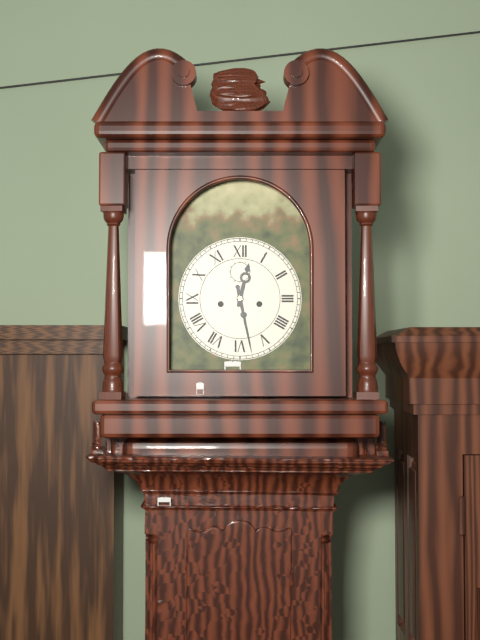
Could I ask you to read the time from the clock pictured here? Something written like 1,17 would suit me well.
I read 12,28
